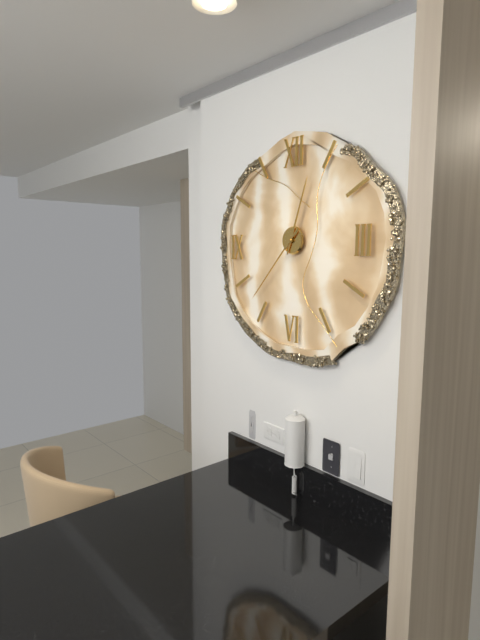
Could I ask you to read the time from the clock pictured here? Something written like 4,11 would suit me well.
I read 12,37
